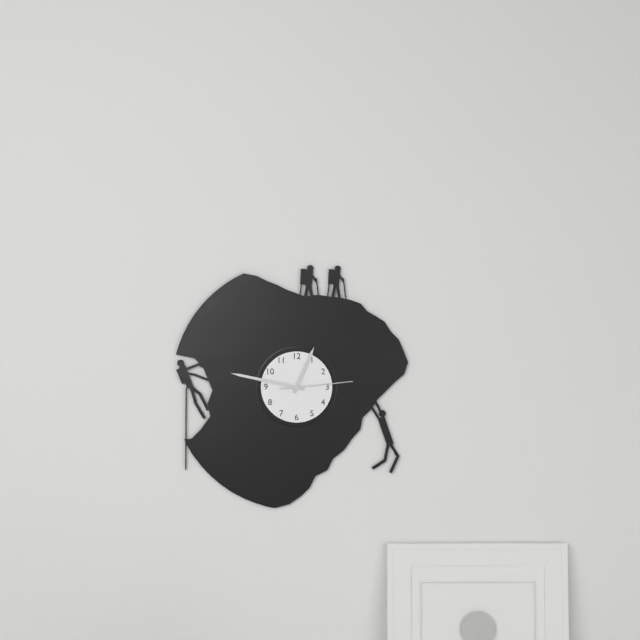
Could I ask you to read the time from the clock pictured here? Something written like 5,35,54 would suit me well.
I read 12,47,14
